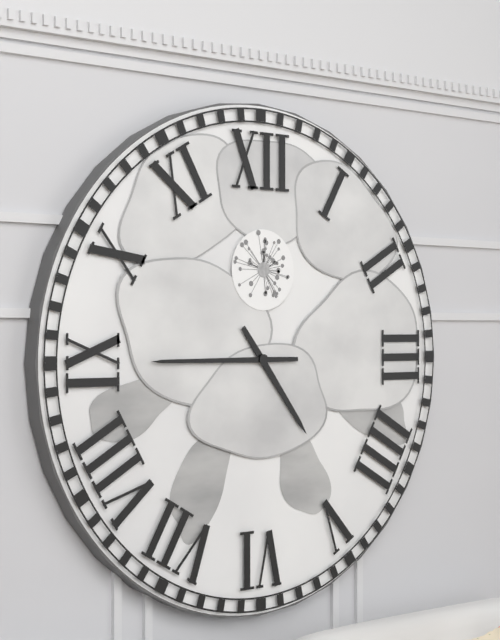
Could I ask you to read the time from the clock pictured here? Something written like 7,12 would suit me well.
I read 4,45
